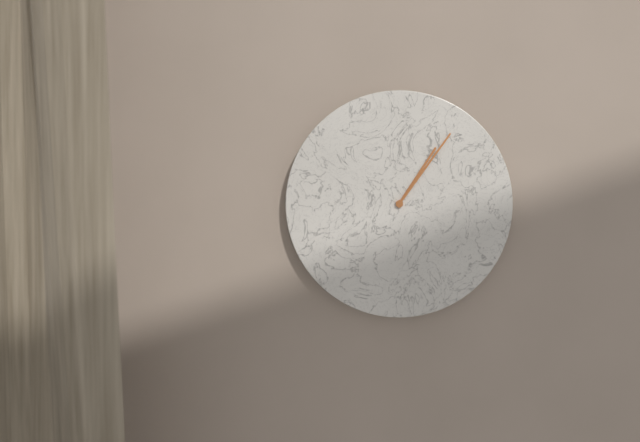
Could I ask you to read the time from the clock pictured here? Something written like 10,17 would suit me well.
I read 1,06
